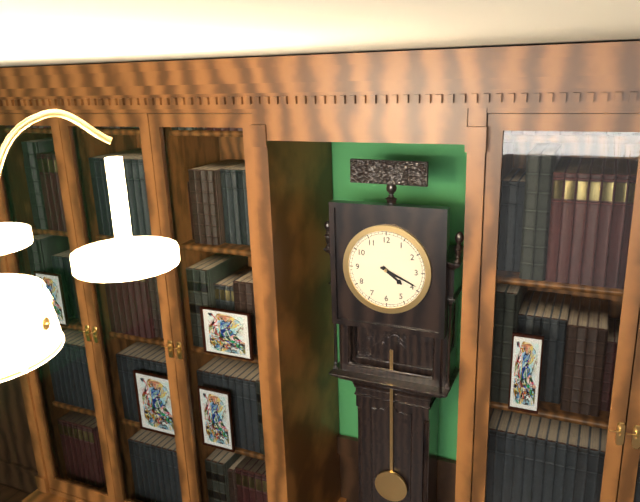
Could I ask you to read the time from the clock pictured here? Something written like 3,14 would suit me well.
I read 4,19
